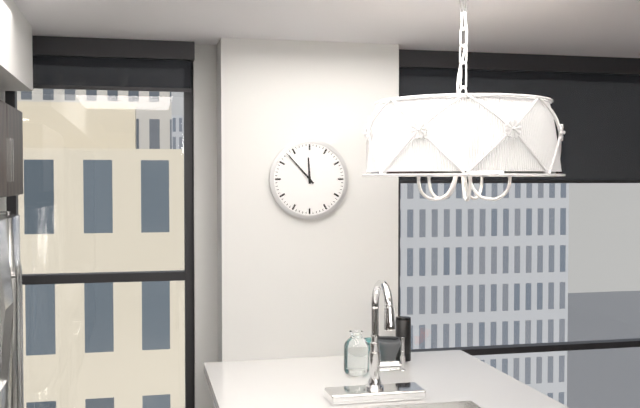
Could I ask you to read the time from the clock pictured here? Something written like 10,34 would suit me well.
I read 11,53
